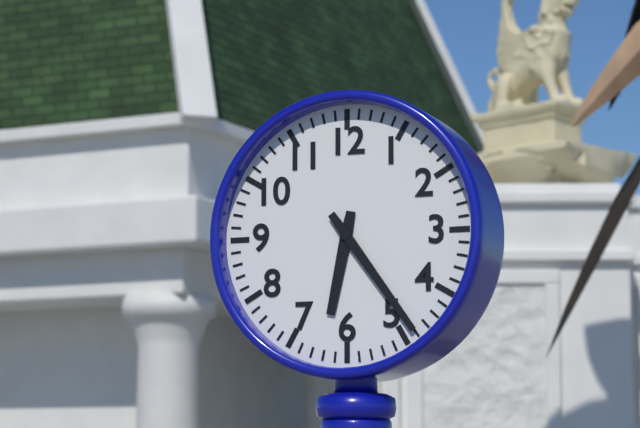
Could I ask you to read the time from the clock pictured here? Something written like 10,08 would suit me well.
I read 6,24
